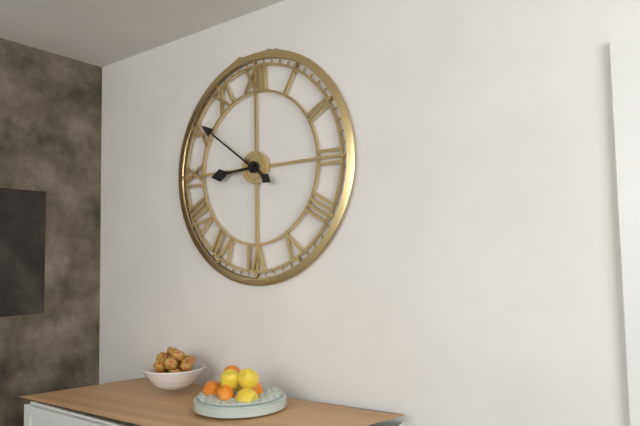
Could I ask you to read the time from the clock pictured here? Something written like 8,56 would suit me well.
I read 8,51
